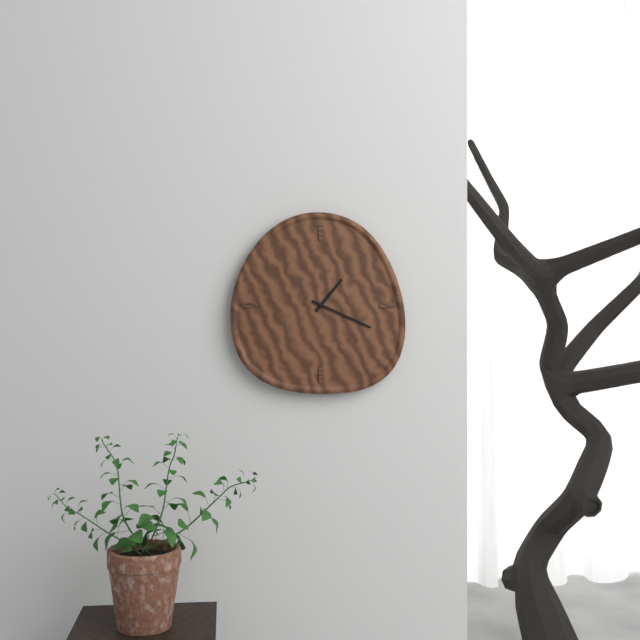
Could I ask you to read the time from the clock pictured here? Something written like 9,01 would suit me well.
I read 1,19
